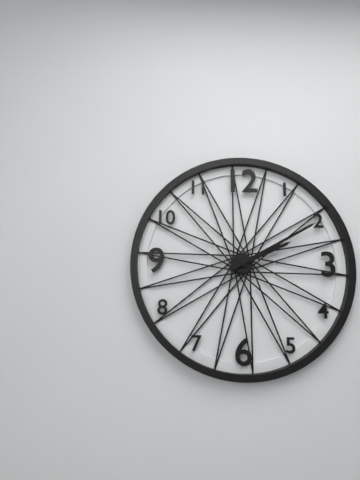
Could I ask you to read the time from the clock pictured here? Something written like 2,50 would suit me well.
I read 2,10
